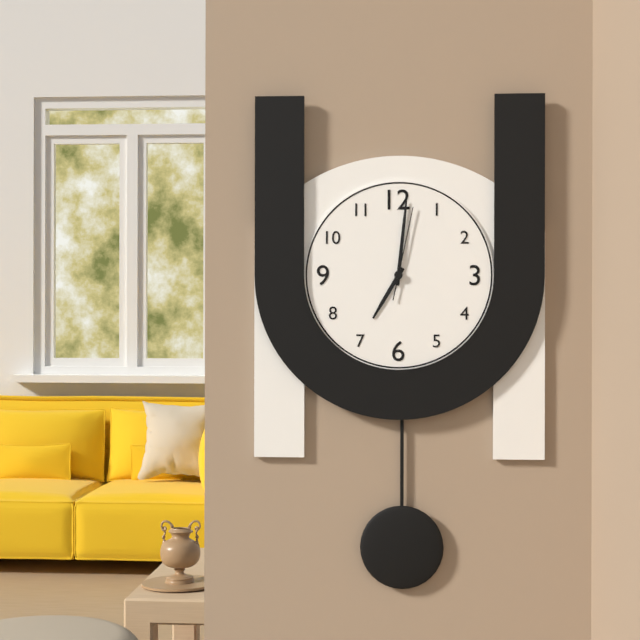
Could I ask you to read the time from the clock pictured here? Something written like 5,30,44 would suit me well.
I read 7,01,02
